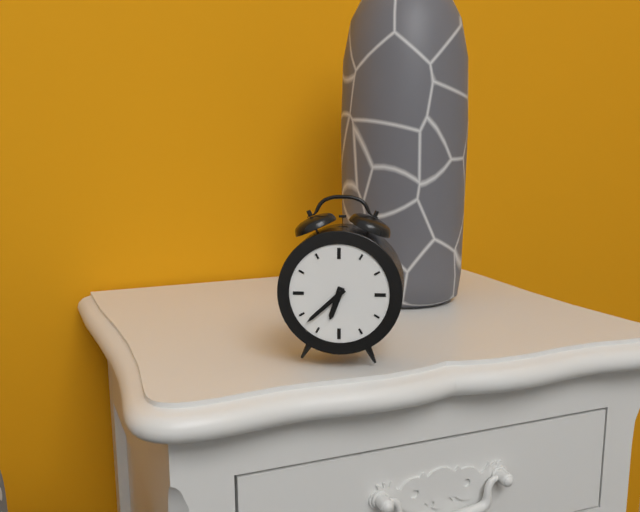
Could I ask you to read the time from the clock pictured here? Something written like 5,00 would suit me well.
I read 6,38
